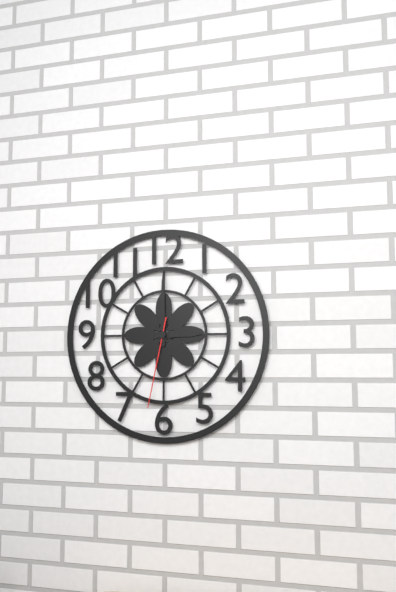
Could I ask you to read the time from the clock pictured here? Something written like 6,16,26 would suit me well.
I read 3,00,32
